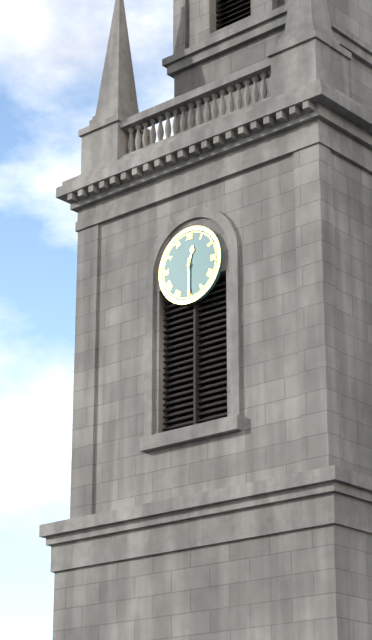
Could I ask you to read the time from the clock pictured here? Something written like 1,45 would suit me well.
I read 12,30
